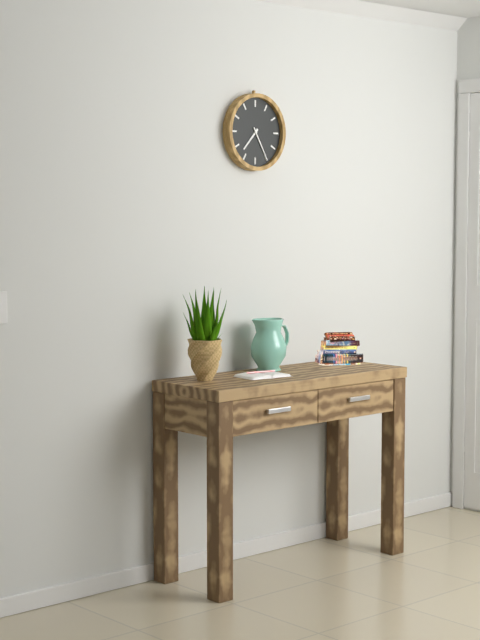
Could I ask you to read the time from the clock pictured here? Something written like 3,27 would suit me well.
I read 7,25
